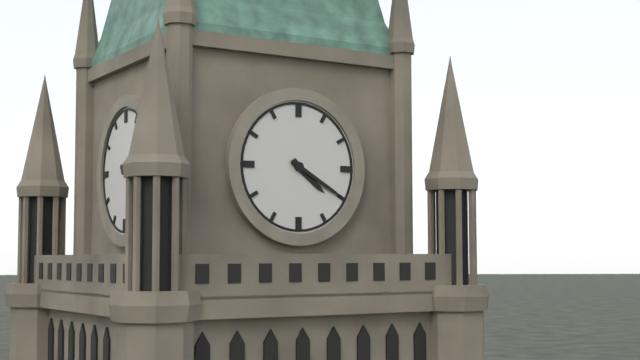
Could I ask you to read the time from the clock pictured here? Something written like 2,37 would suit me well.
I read 4,20
